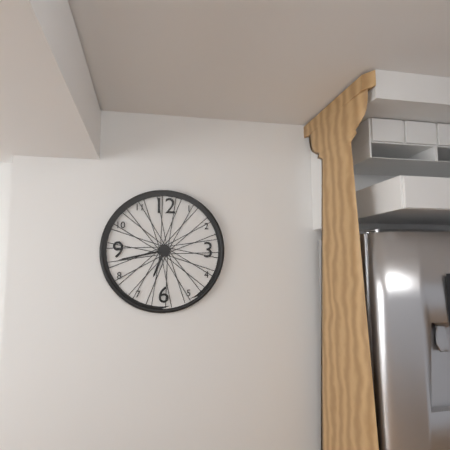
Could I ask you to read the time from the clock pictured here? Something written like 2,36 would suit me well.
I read 6,43
